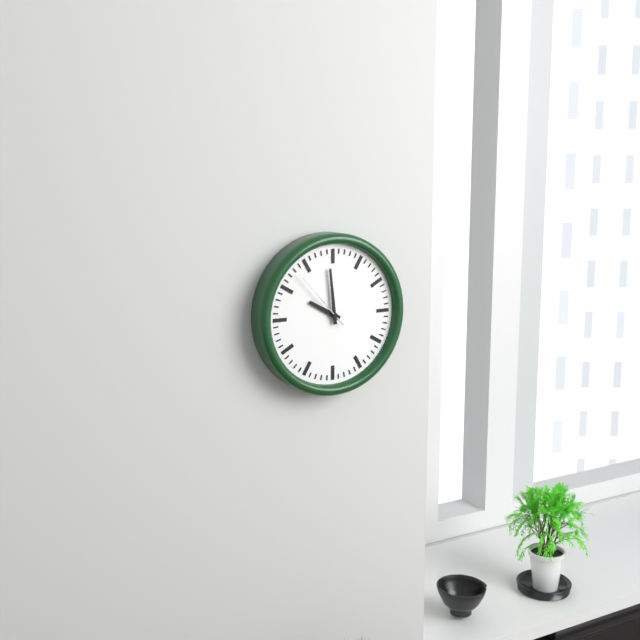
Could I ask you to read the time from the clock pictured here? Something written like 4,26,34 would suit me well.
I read 9,59,53
